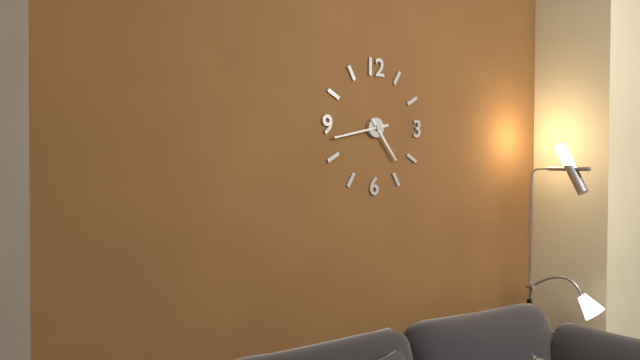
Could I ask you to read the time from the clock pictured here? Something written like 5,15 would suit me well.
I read 4,43
